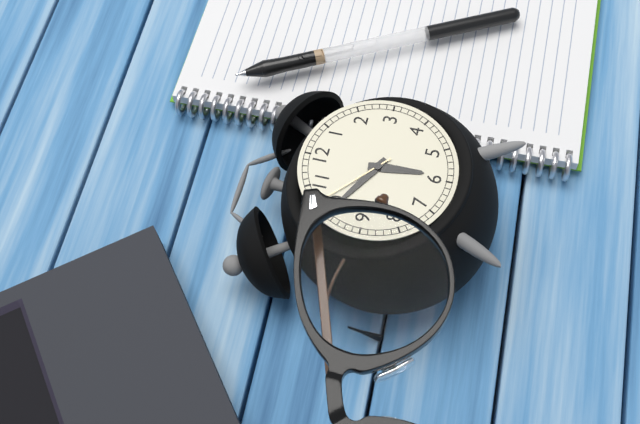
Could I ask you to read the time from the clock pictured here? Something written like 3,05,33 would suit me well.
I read 5,50,52
